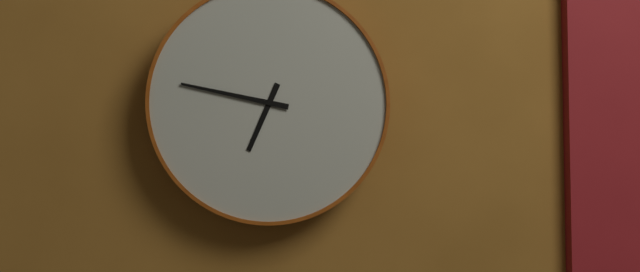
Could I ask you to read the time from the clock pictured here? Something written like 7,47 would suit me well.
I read 6,47
